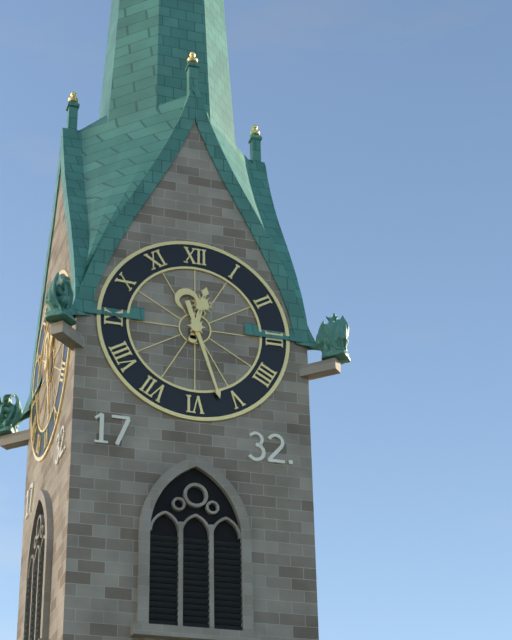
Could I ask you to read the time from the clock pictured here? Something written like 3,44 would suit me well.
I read 12,27
